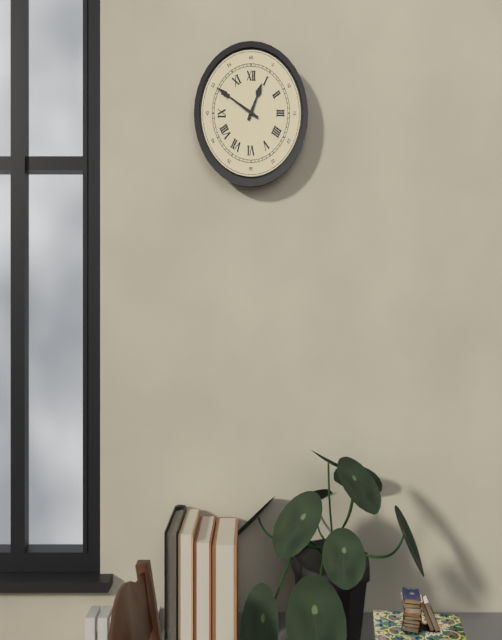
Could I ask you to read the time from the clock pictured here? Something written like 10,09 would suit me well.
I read 12,50
